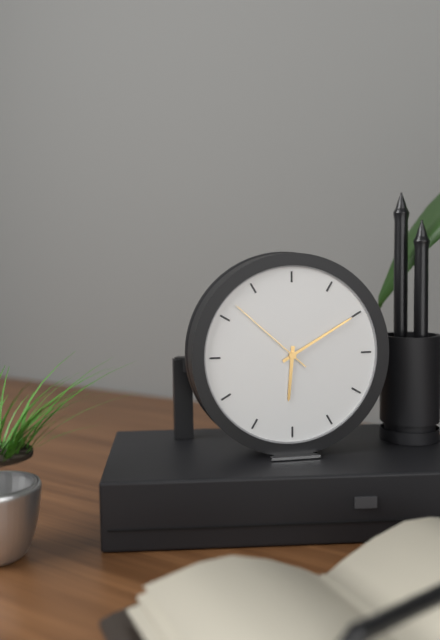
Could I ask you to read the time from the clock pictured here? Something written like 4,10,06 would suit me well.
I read 6,10,52
